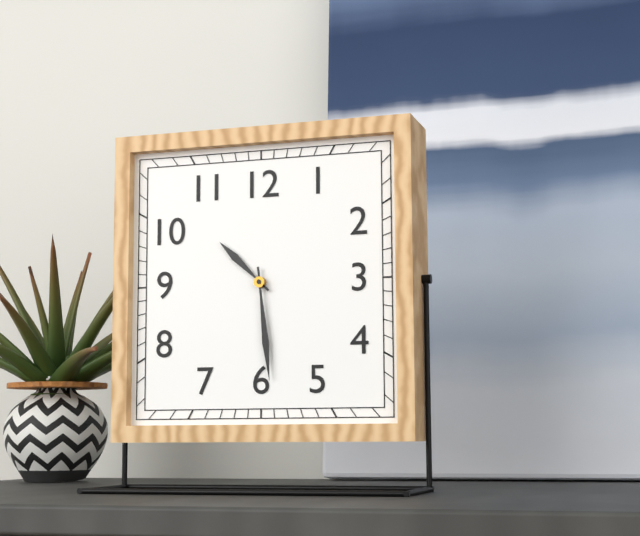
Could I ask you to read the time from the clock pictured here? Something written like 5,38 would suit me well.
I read 10,29
